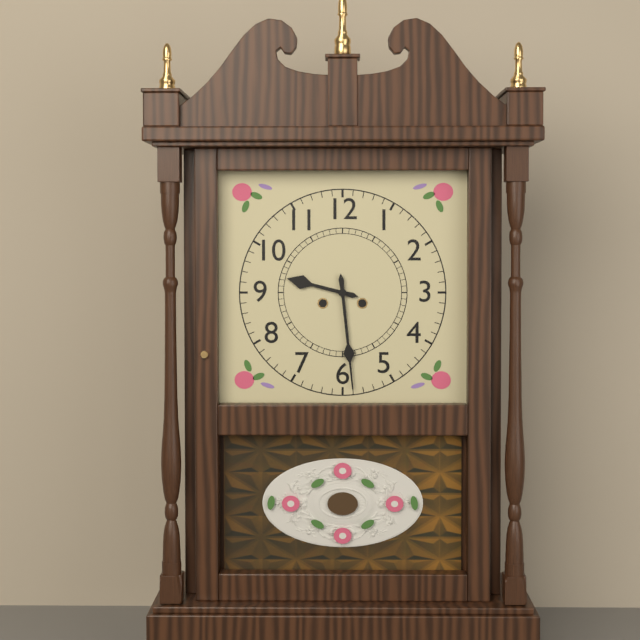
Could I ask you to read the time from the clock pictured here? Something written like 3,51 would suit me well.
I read 9,29
